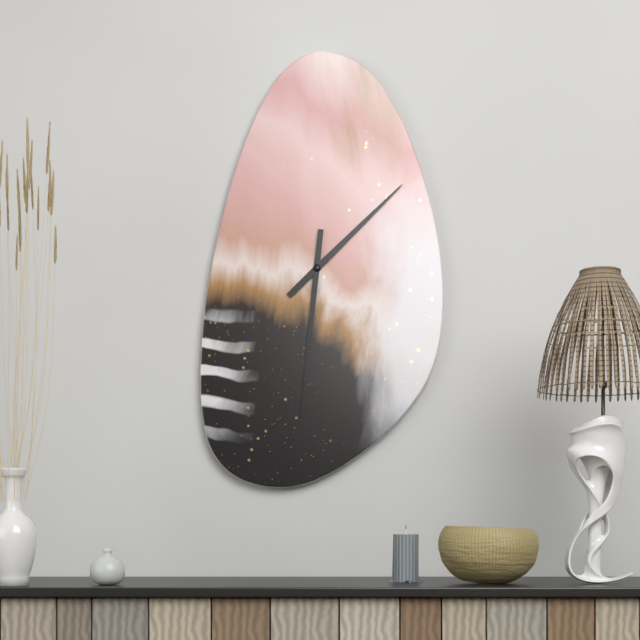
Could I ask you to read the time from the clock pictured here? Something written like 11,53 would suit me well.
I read 1,31
